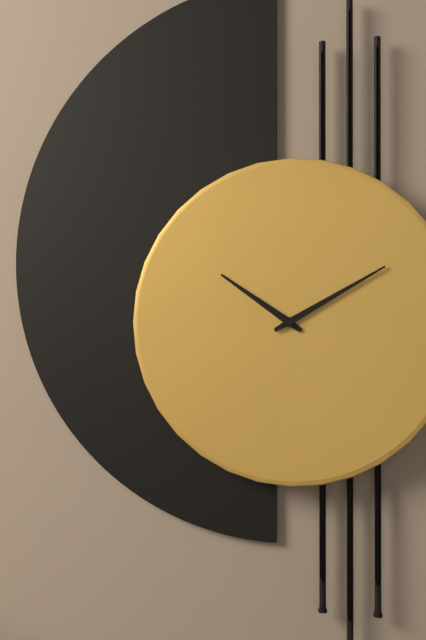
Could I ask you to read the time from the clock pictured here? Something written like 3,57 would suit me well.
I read 10,10
